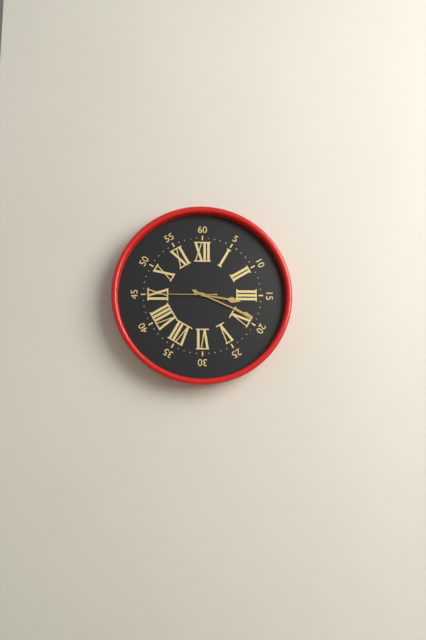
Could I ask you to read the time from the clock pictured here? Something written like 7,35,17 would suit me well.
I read 3,19,45
